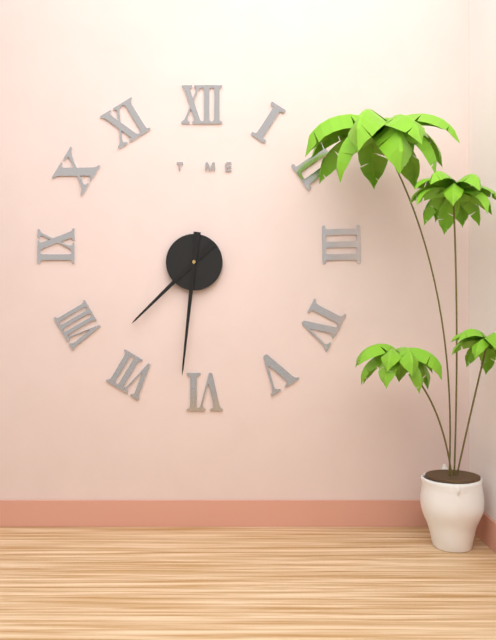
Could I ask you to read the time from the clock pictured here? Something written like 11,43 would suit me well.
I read 7,31
